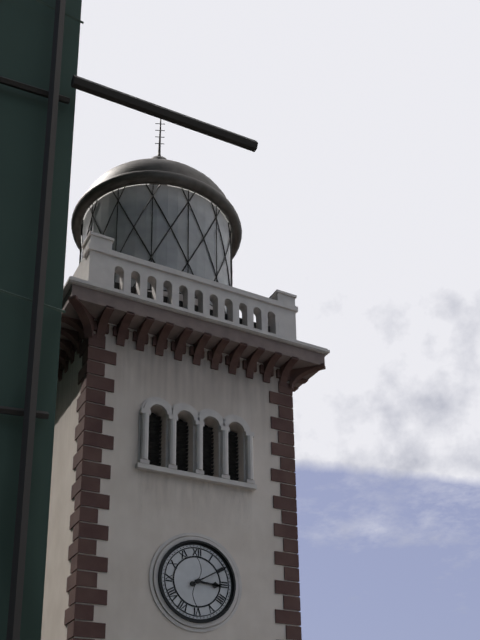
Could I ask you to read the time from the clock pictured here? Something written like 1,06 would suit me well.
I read 3,10
